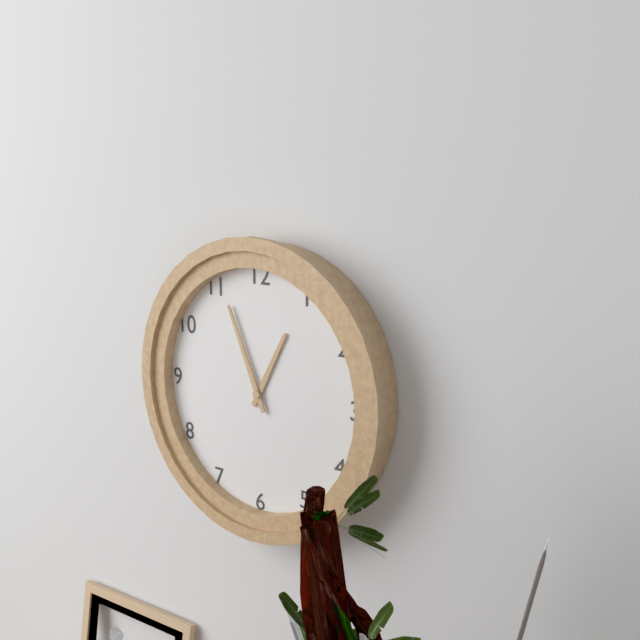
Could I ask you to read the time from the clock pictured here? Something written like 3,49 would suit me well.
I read 12,56
